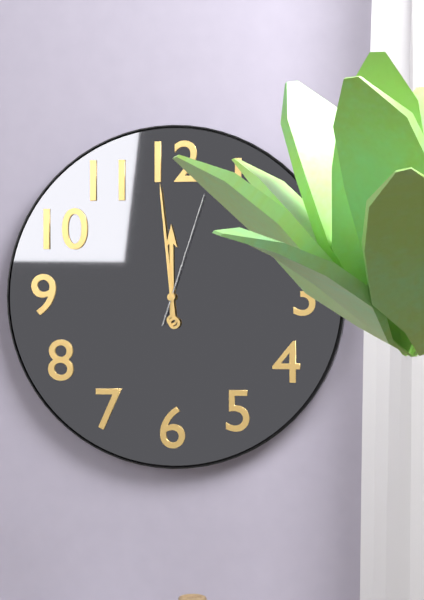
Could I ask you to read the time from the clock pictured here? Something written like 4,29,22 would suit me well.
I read 11,59,03
